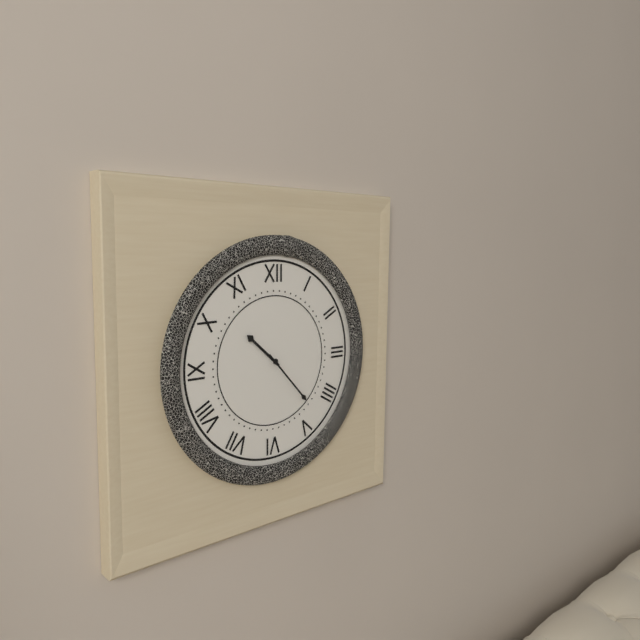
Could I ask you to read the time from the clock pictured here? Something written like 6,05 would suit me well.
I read 10,23
